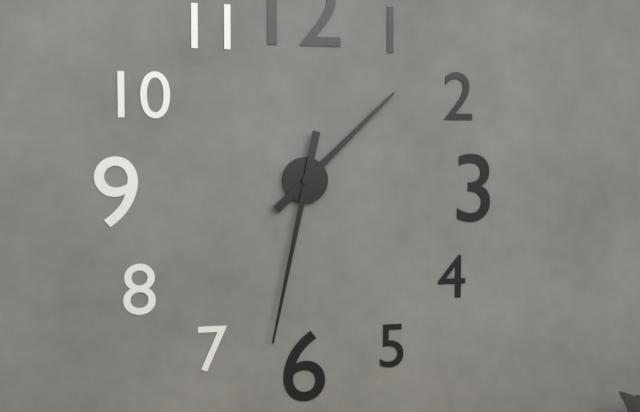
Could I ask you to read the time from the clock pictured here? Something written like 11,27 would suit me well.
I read 1,32
